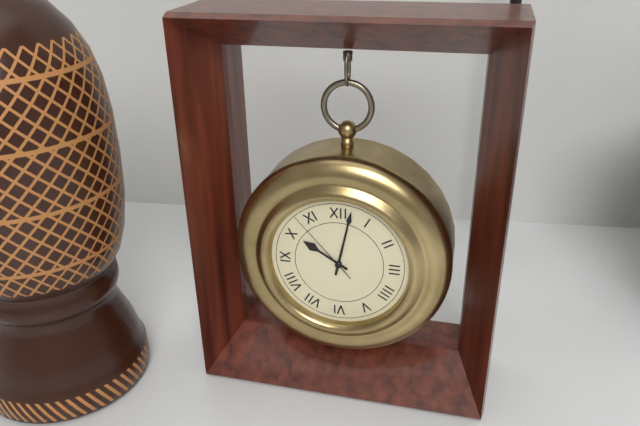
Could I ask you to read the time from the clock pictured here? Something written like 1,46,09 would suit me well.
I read 10,02,53
